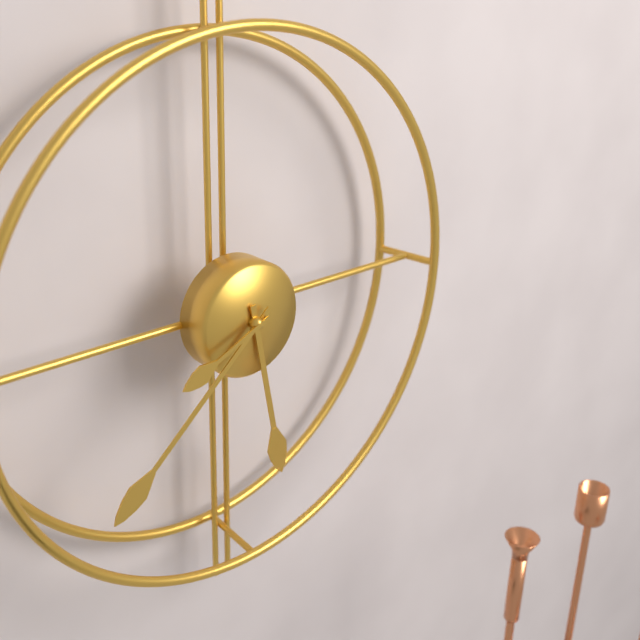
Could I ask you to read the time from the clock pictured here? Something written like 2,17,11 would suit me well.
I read 5,38,41
